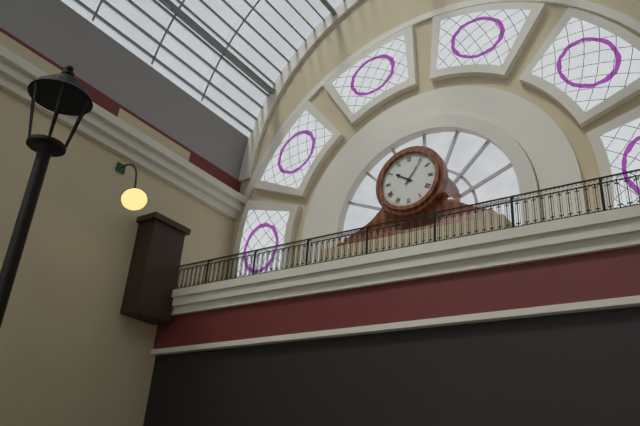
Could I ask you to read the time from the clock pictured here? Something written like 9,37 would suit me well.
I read 10,06
